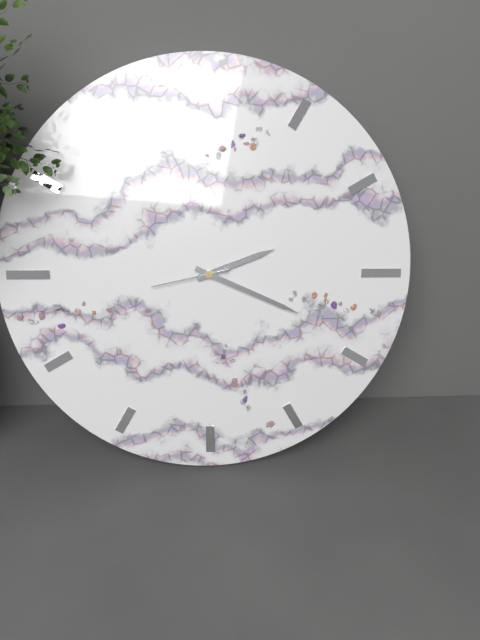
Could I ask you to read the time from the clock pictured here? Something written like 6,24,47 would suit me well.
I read 2,19,43
